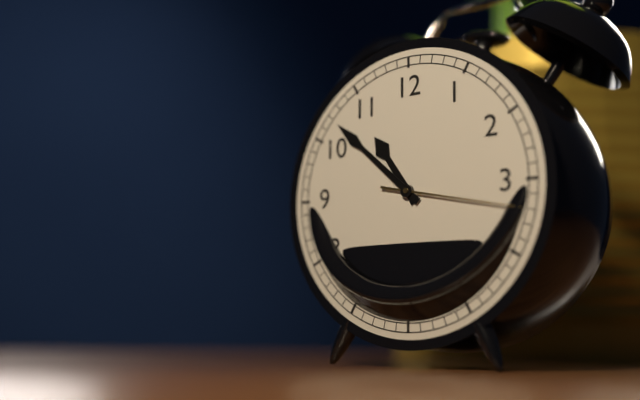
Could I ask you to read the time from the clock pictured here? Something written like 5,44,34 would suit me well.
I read 10,52,17
